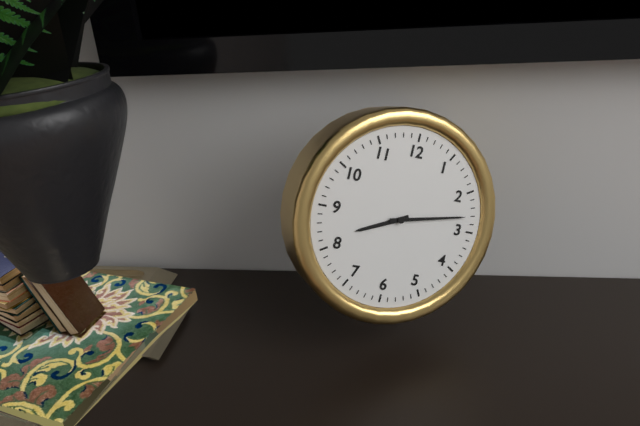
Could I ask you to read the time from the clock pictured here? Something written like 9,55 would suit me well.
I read 8,13
